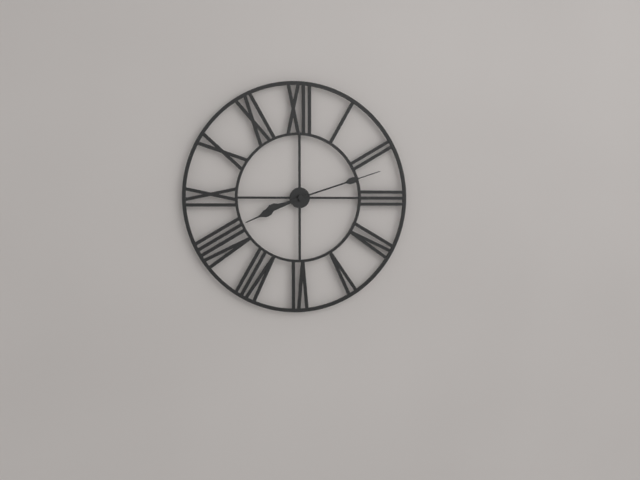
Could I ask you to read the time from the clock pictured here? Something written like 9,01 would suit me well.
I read 8,12
